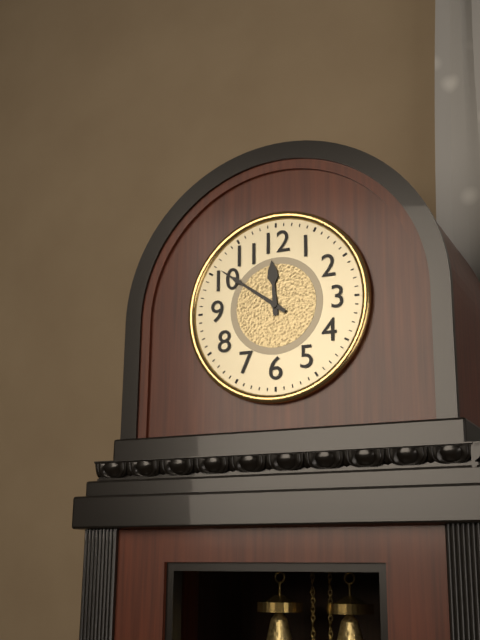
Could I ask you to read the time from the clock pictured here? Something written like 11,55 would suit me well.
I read 11,51
